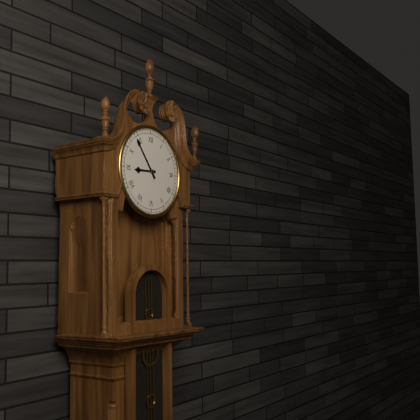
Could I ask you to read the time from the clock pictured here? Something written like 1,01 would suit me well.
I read 8,54
